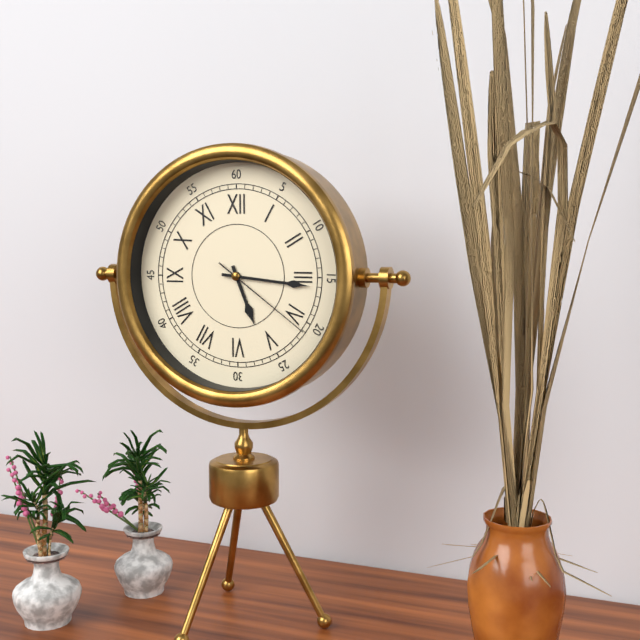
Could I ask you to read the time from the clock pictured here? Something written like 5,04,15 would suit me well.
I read 5,16,21
